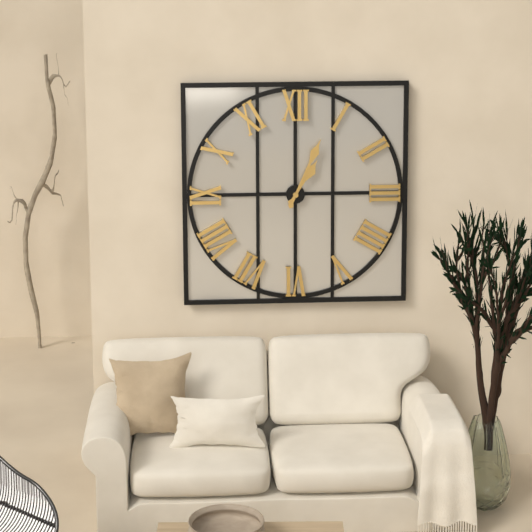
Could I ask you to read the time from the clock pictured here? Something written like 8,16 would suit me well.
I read 1,04
